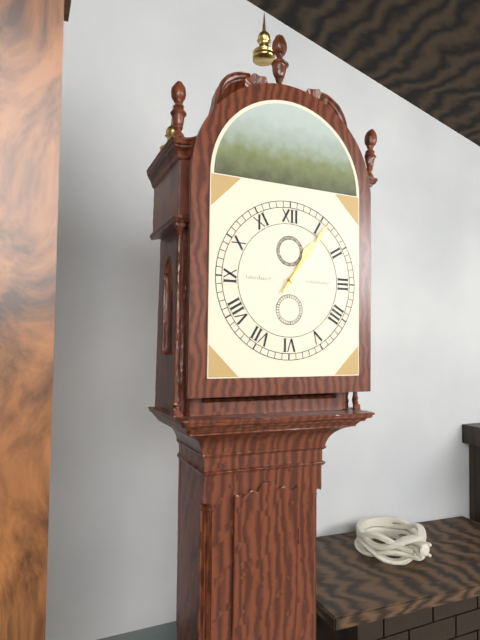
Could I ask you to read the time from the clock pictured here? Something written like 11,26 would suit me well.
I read 1,06
